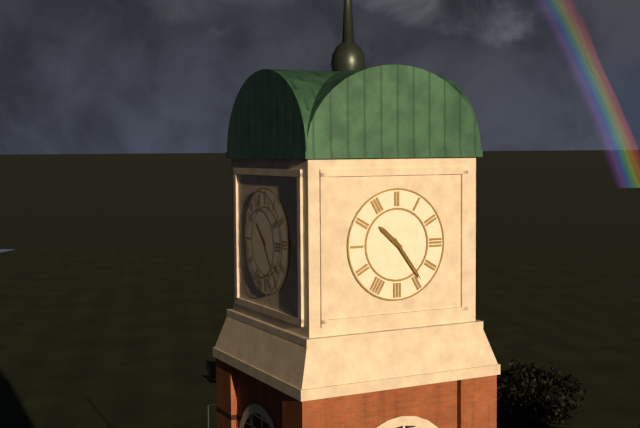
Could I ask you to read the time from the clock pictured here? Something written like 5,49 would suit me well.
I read 10,24
